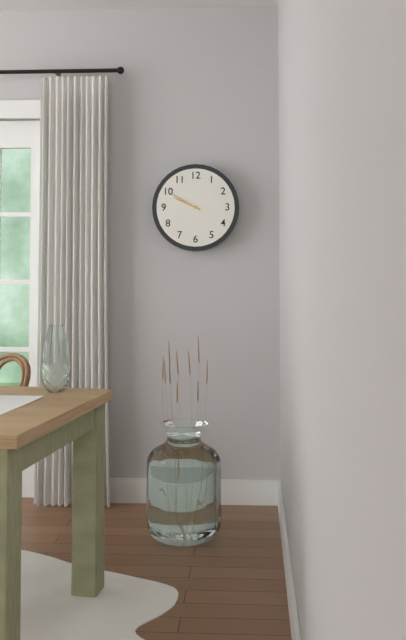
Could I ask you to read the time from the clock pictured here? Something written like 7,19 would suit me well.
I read 9,50
